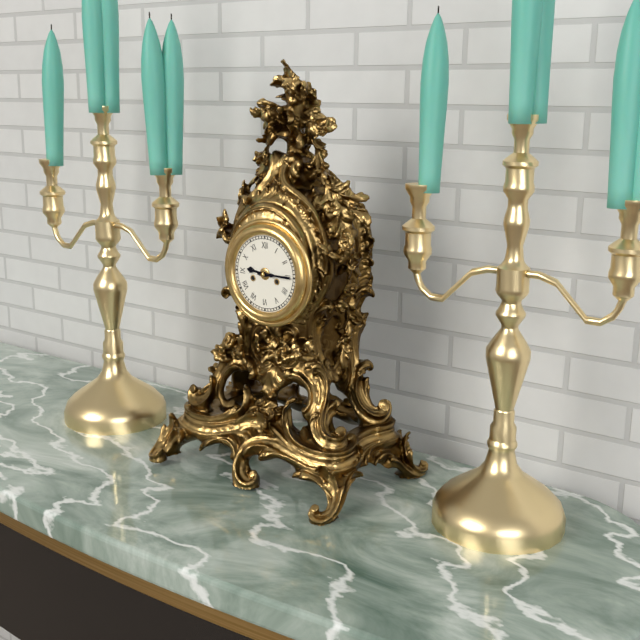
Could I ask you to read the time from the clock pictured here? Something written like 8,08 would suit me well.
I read 9,15
